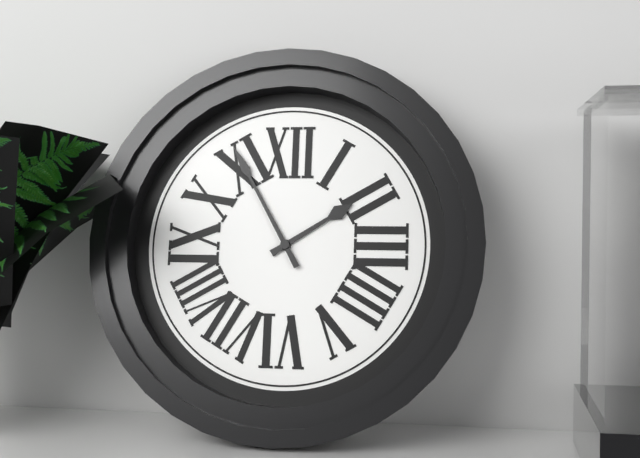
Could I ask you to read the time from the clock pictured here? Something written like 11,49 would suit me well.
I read 1,55
